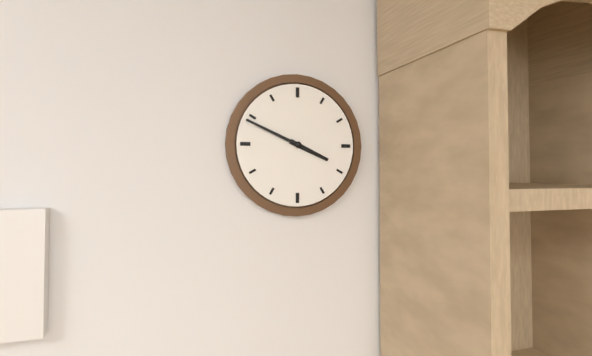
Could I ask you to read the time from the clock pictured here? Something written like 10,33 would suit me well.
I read 3,49
